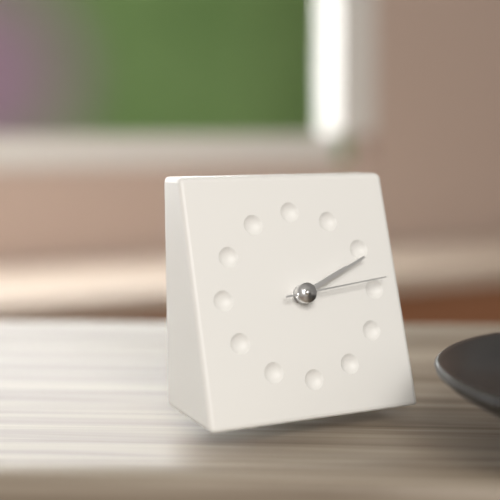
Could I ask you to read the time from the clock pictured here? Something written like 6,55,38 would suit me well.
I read 2,11,14
